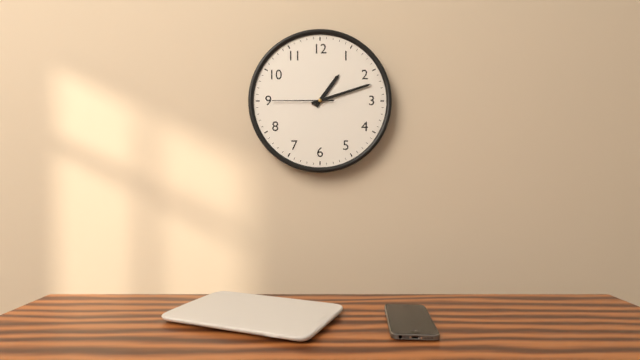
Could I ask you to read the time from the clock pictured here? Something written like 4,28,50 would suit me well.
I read 1,12,45
